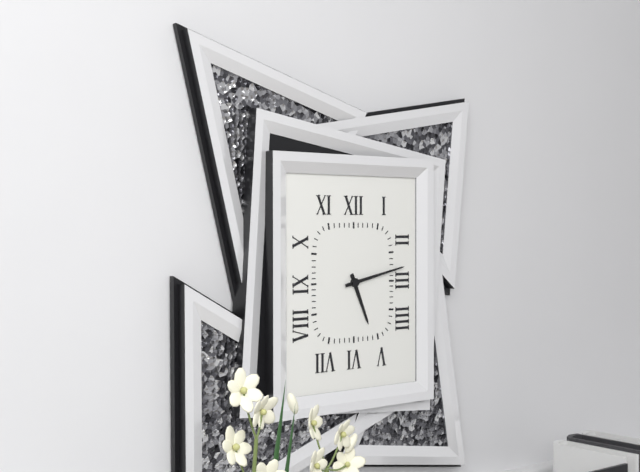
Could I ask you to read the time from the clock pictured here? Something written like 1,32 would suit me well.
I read 5,13
